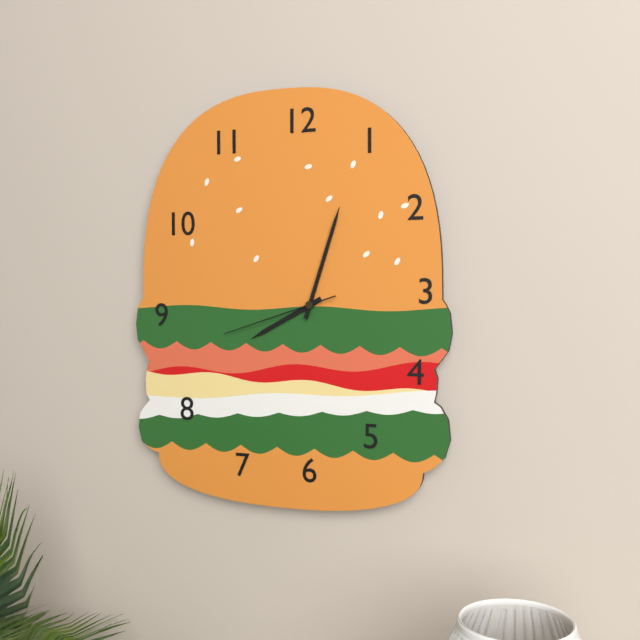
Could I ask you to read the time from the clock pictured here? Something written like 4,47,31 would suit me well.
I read 8,03,42
